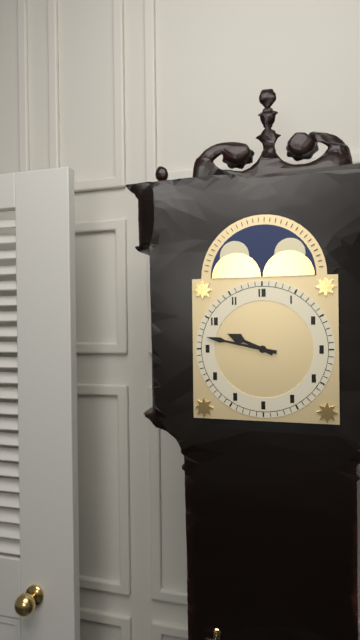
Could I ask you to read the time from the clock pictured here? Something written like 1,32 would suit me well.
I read 9,47
